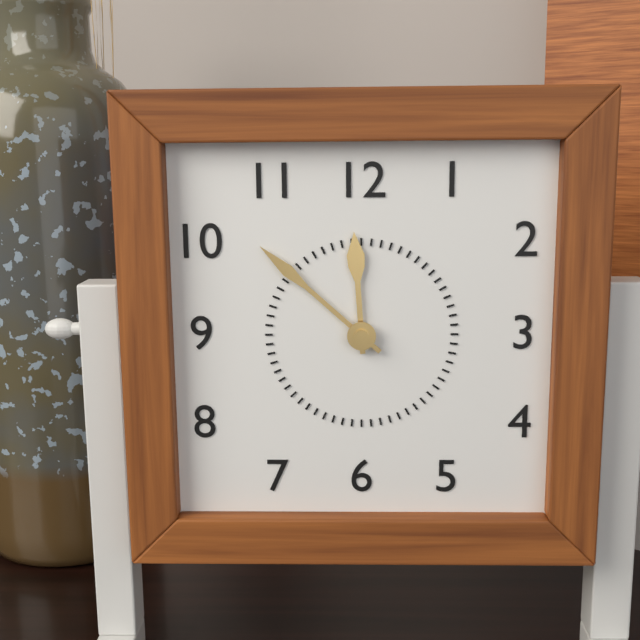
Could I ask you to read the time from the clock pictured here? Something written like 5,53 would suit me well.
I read 11,52
